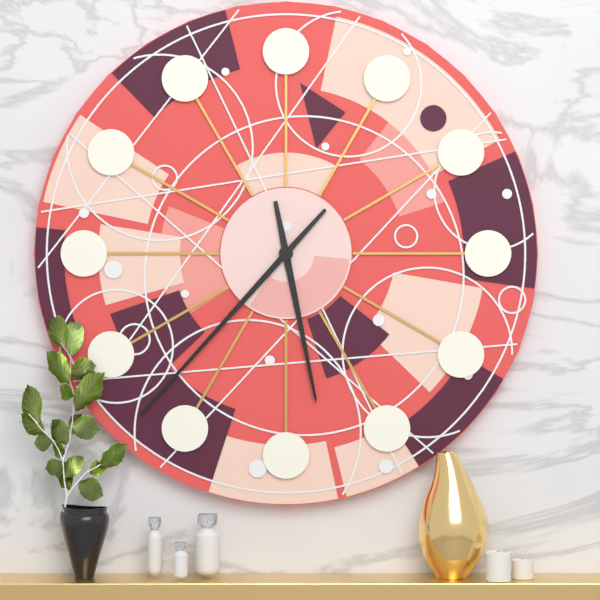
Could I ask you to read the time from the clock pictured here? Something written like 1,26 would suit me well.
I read 5,37
